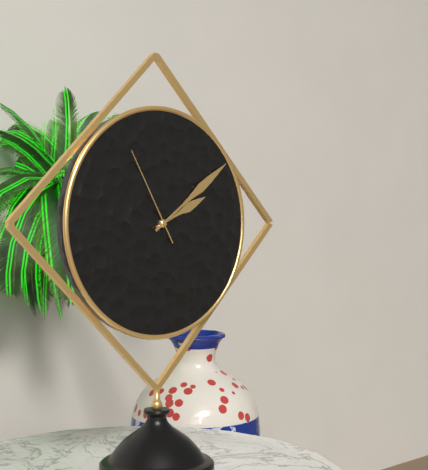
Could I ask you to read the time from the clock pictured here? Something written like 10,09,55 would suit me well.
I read 2,09,55
